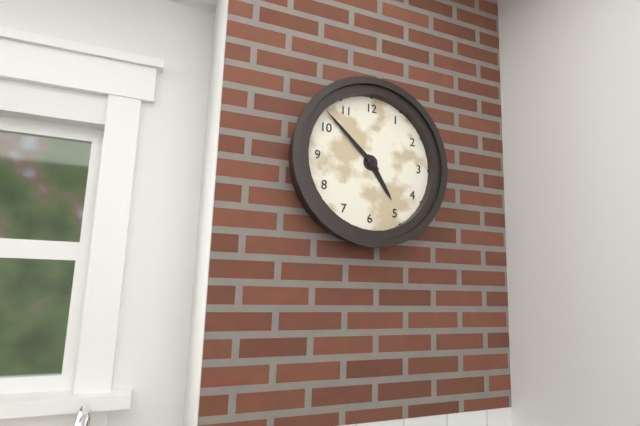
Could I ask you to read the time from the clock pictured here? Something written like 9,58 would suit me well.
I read 4,52
